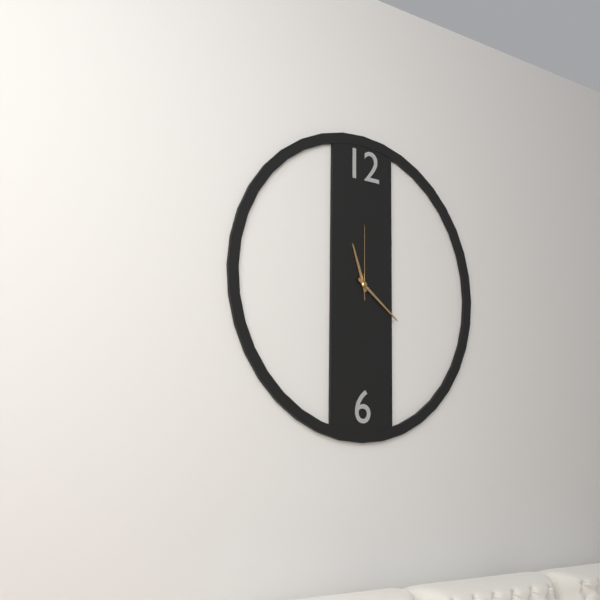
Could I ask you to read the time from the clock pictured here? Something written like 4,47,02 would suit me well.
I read 11,21,00
